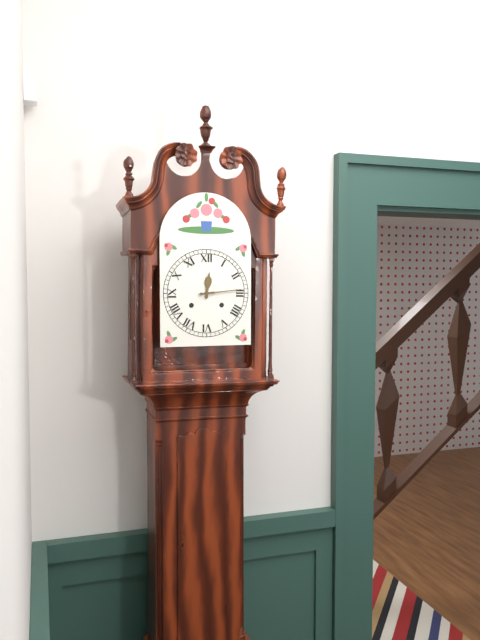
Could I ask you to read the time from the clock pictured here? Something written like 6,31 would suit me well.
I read 12,14
